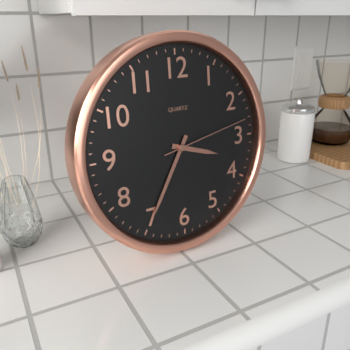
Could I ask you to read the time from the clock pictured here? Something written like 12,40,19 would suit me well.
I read 3,35,13
